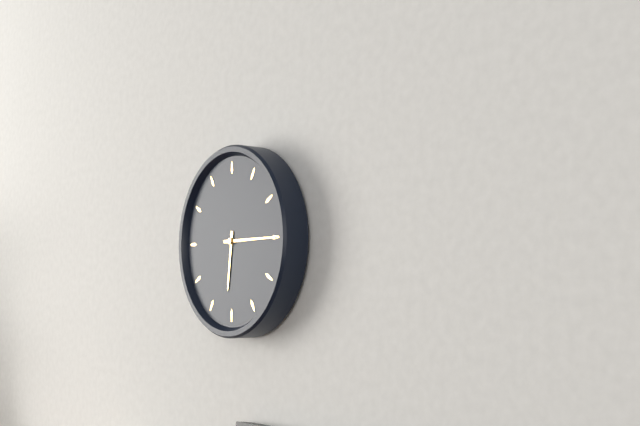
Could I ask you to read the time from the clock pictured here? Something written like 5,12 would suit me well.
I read 6,15
